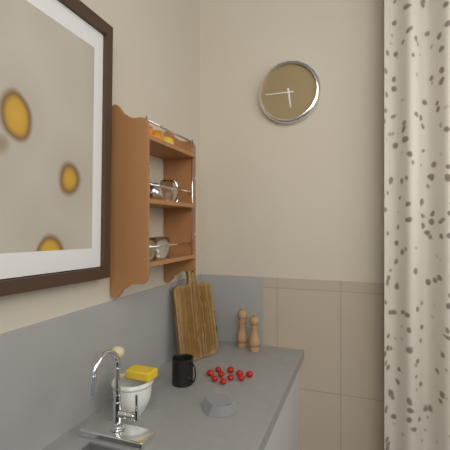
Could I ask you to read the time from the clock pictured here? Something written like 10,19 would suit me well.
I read 5,45
